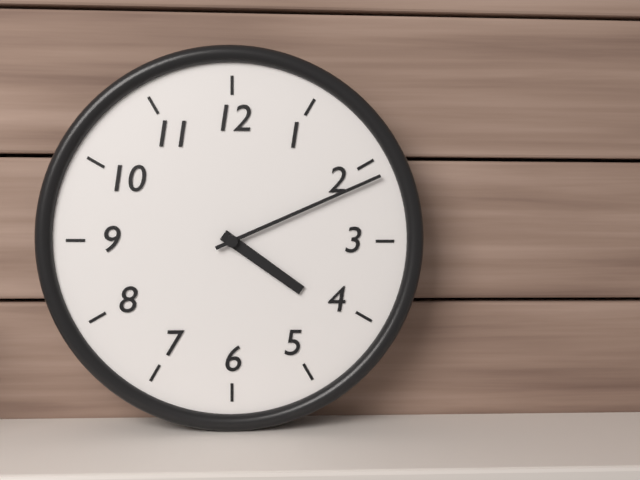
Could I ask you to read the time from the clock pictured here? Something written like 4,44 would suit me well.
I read 4,11
